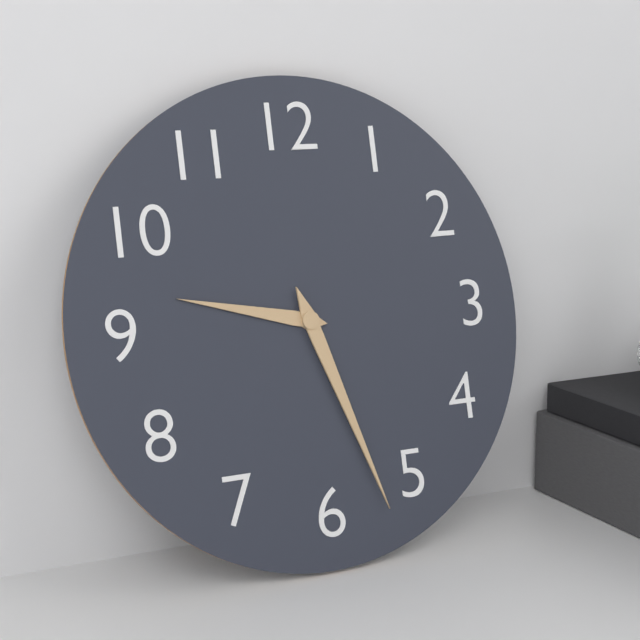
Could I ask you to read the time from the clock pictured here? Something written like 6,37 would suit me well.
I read 9,27
